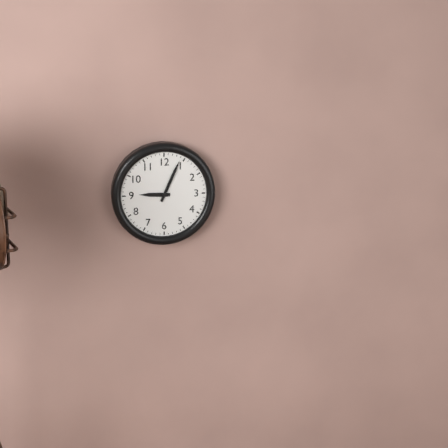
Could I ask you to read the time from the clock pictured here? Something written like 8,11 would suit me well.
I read 9,04
